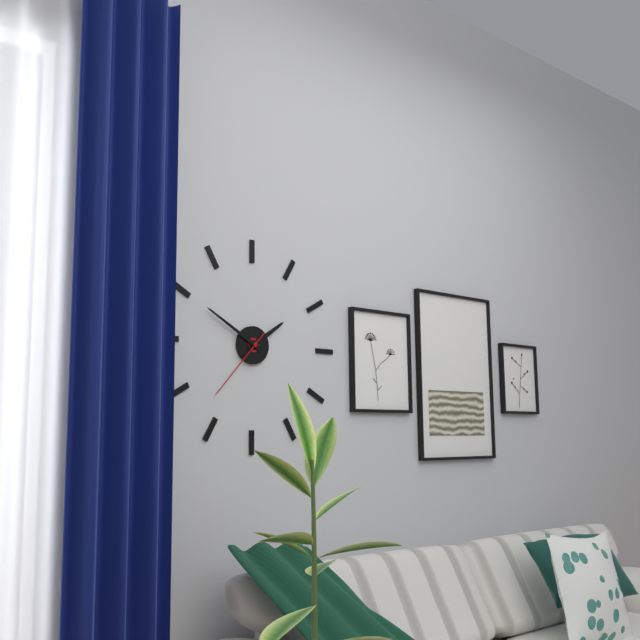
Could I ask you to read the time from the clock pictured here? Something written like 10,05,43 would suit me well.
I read 1,50,37
